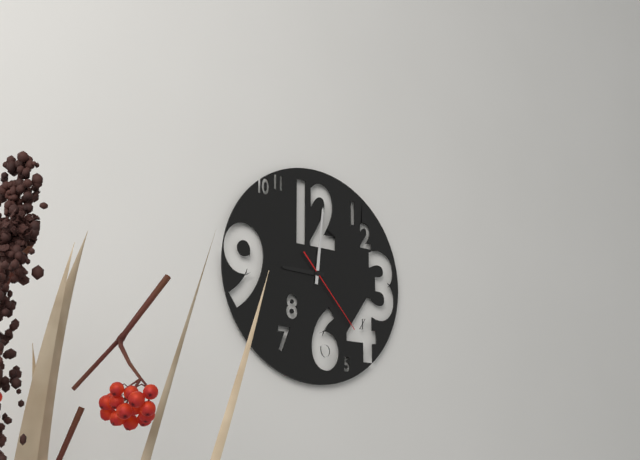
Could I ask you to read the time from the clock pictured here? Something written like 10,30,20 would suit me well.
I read 9,01,23
